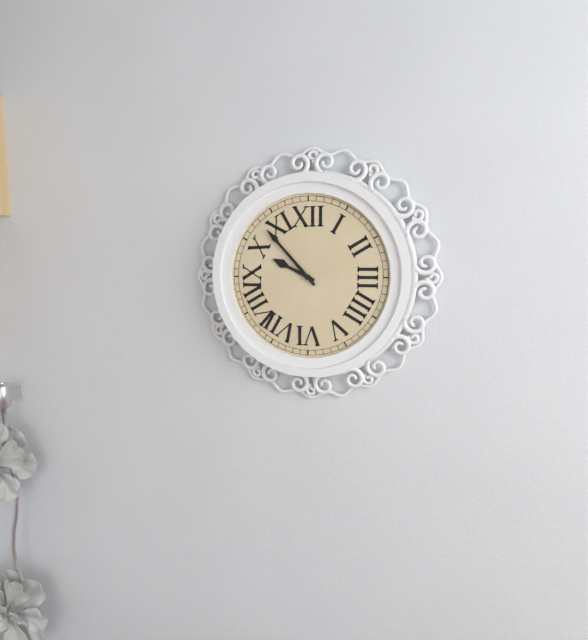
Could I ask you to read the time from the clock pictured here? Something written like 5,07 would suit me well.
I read 9,53
